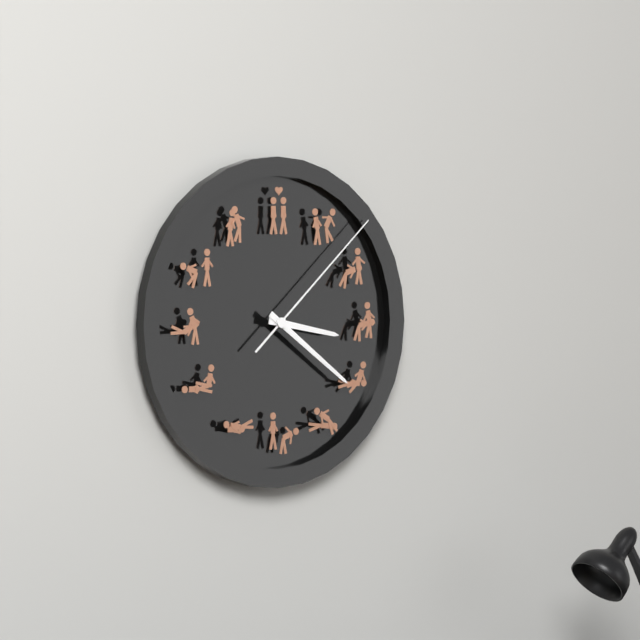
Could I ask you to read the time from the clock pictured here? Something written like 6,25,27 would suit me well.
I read 3,21,08
